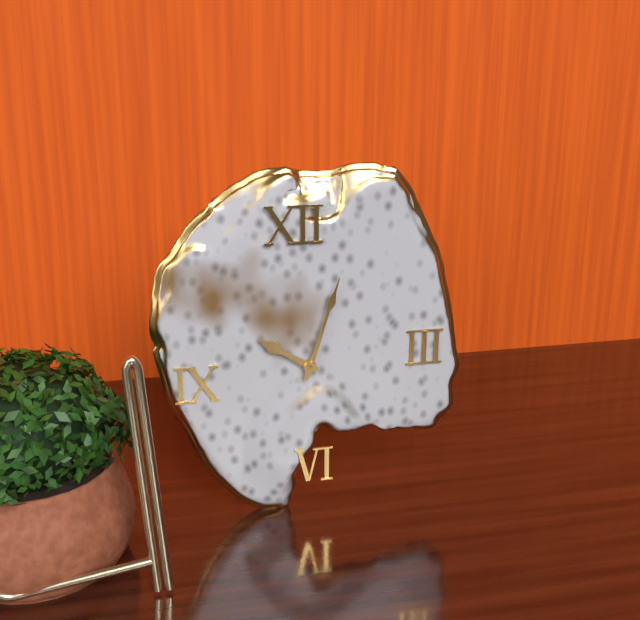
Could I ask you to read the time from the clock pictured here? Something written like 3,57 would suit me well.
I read 10,03
